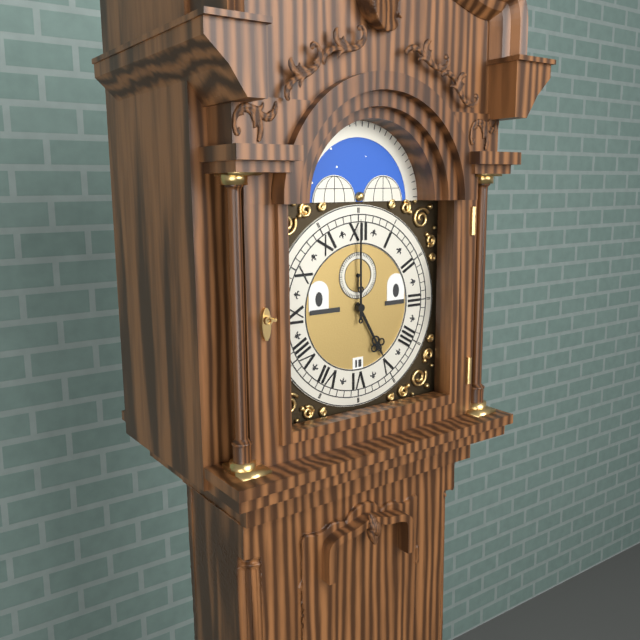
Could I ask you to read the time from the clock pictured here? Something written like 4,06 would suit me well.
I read 5,00
